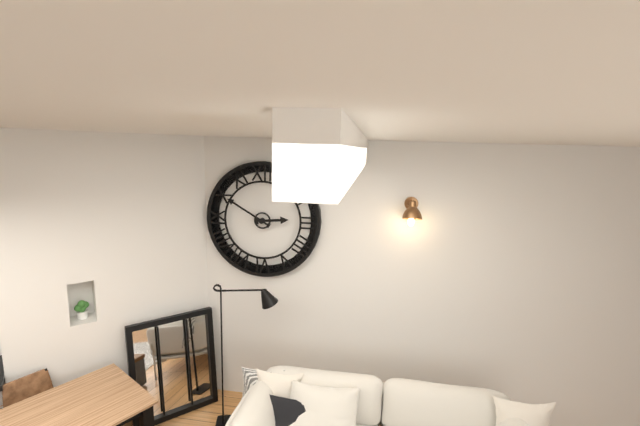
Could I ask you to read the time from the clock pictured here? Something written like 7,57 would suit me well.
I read 2,50
